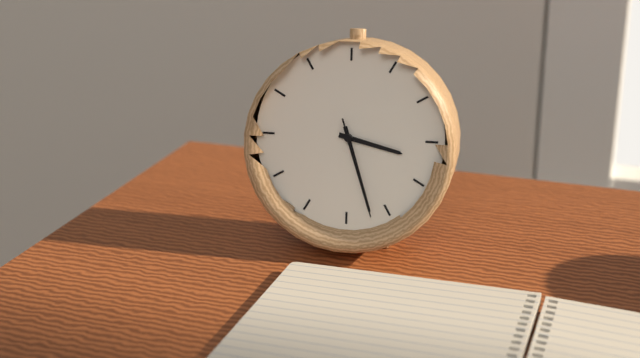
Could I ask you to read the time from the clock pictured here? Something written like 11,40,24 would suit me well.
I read 3,27,27
